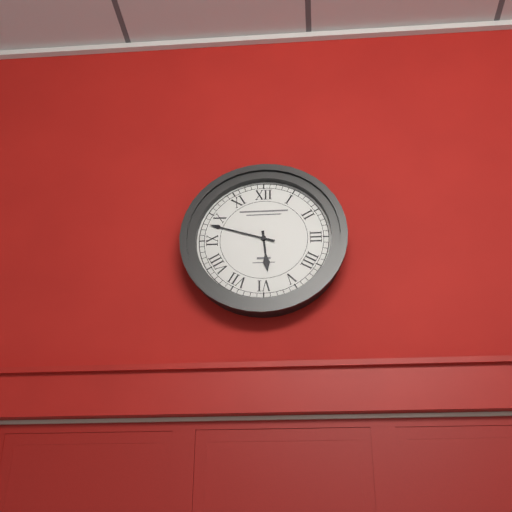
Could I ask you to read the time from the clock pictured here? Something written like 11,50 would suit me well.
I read 5,48
